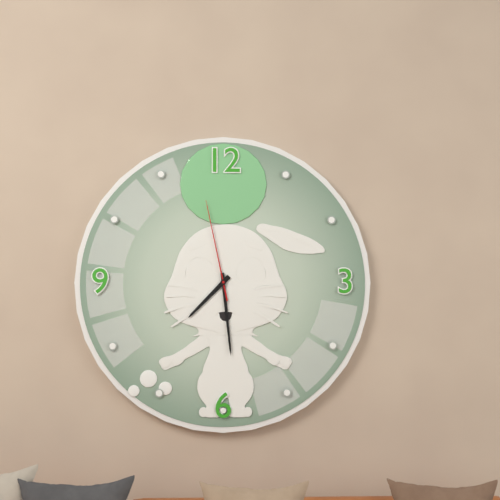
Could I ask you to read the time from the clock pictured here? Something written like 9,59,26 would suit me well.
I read 7,29,58
